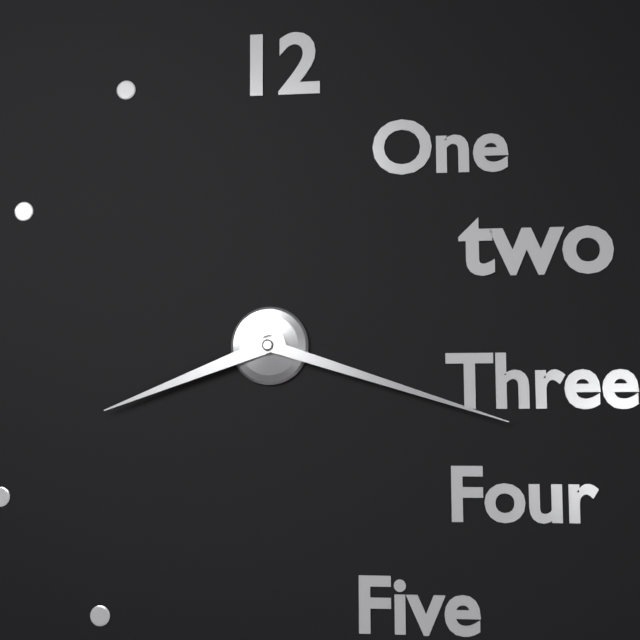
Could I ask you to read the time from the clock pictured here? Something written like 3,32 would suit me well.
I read 8,18
